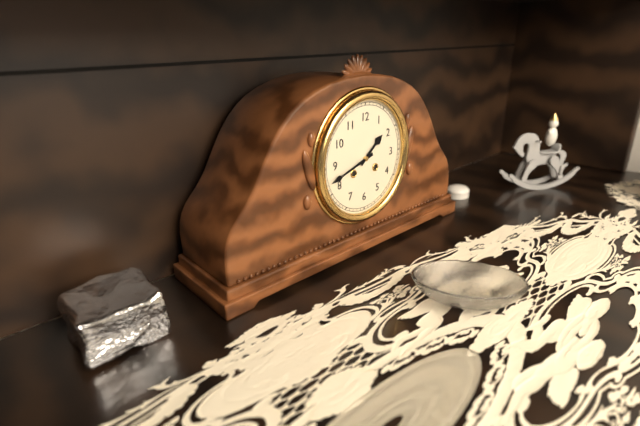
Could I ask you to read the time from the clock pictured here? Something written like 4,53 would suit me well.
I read 1,42
